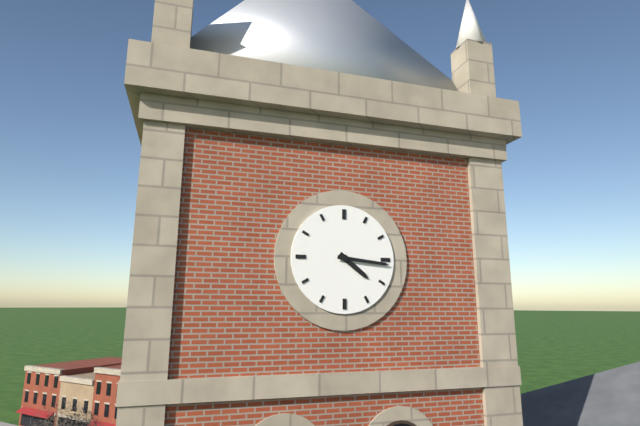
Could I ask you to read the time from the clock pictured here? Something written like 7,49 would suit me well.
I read 4,16
